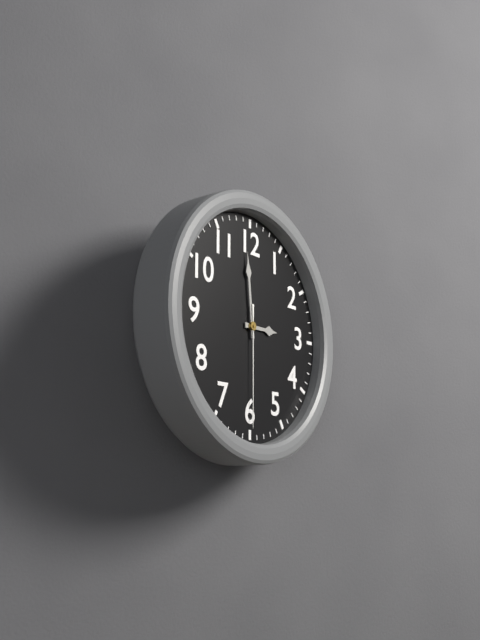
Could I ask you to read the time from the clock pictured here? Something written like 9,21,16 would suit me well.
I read 2,59,30
